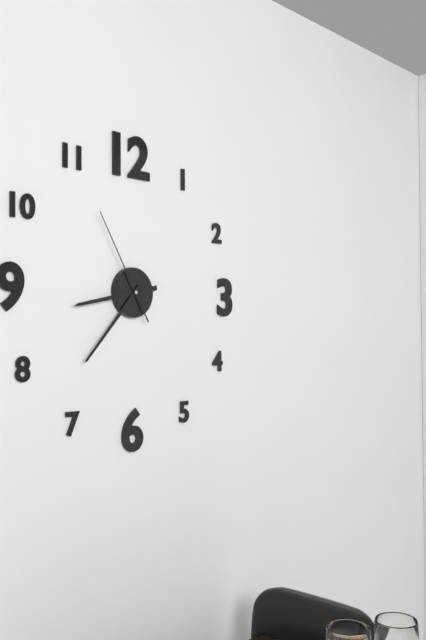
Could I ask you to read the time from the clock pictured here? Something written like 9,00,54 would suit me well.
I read 8,37,55
